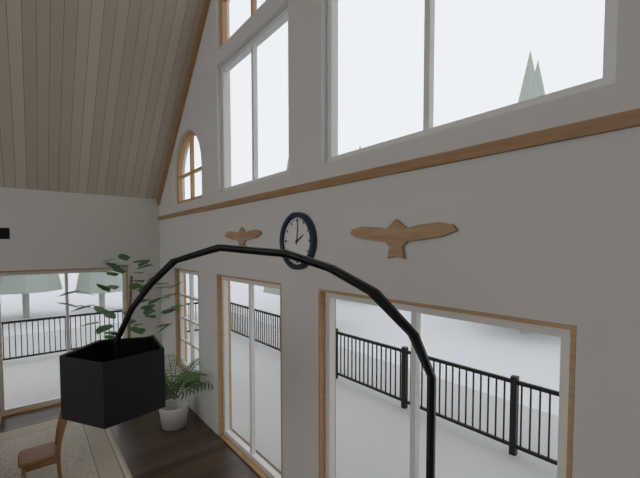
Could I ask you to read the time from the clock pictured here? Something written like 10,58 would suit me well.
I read 2,01
